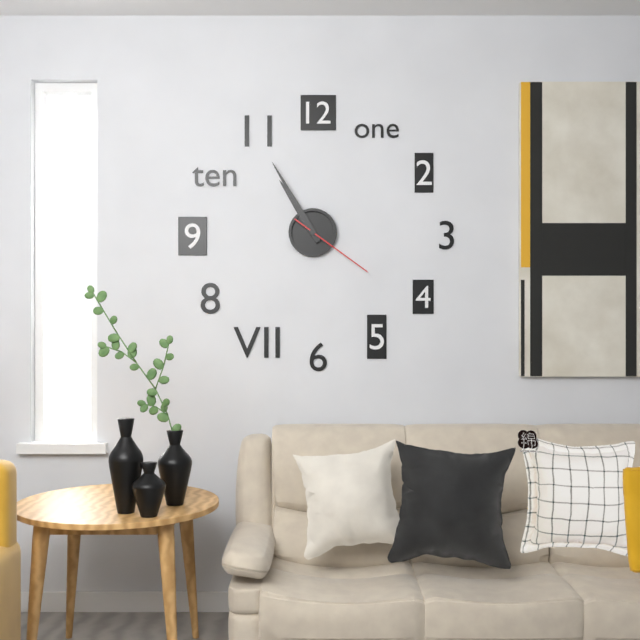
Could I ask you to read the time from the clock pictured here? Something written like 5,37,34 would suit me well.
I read 10,55,21
